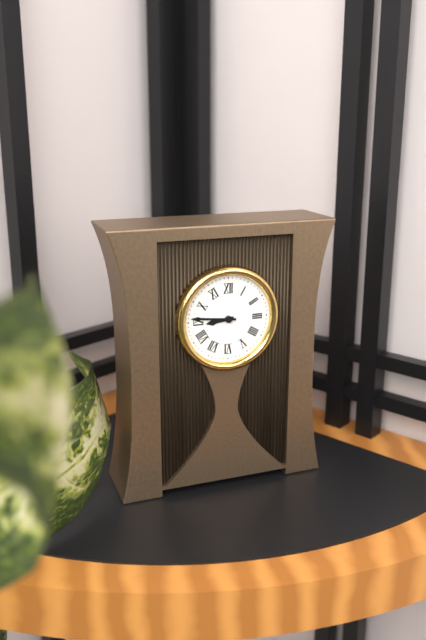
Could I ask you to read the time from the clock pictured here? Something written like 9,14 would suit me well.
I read 8,46
